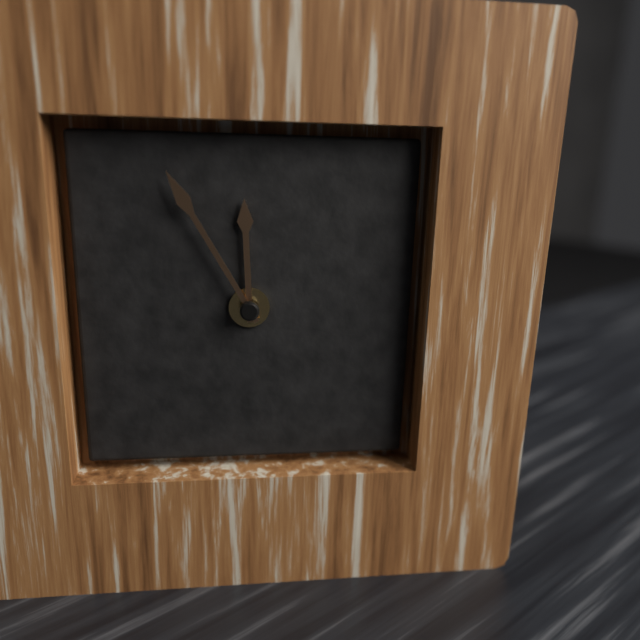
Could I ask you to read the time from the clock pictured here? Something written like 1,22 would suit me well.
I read 11,55
